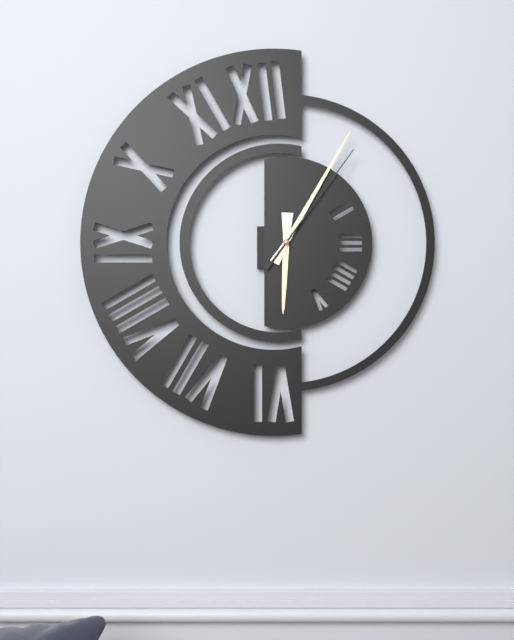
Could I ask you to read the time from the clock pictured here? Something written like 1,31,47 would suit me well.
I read 6,05,06
